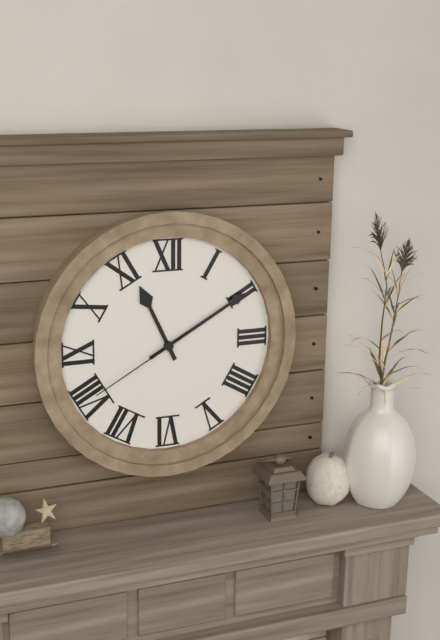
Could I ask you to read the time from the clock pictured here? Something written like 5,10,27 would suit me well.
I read 11,10,40
